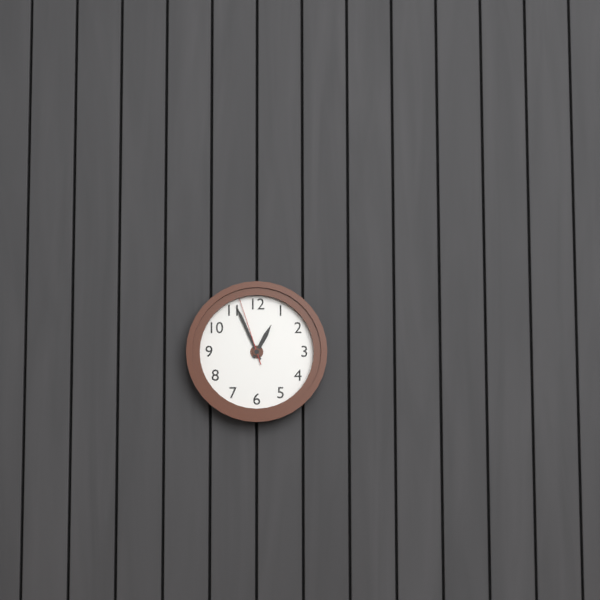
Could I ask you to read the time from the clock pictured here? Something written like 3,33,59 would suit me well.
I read 12,56,57
